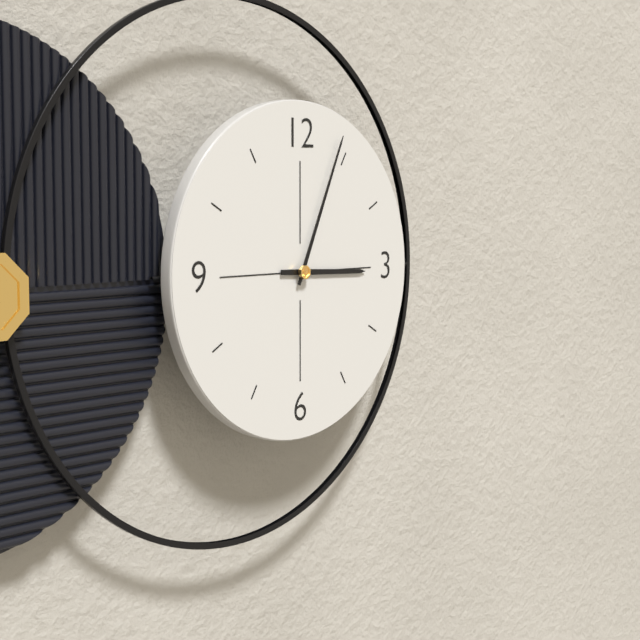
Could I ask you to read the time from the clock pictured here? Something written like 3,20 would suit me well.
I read 3,04
